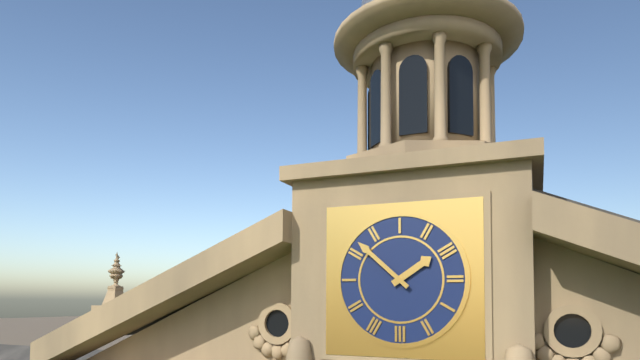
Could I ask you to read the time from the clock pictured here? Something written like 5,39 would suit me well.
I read 1,52
